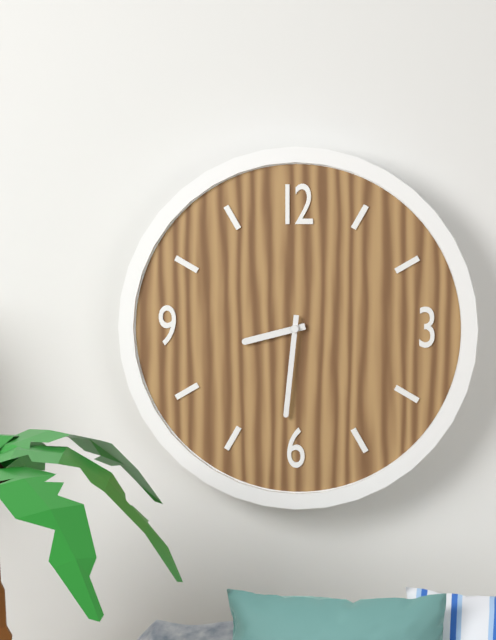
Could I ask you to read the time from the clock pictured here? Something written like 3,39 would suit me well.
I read 8,31
